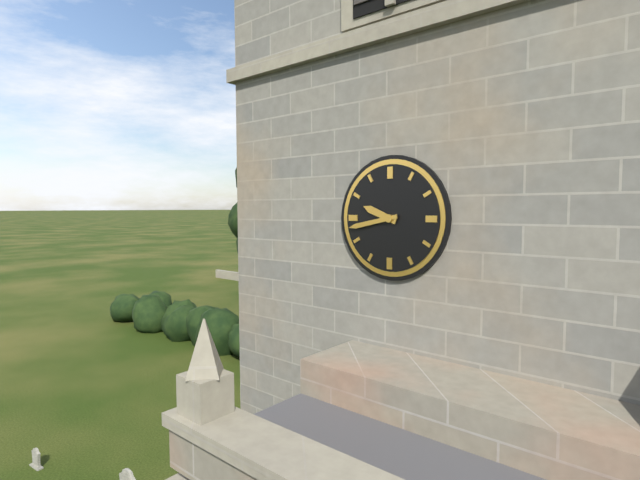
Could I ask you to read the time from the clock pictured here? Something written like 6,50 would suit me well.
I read 9,43
